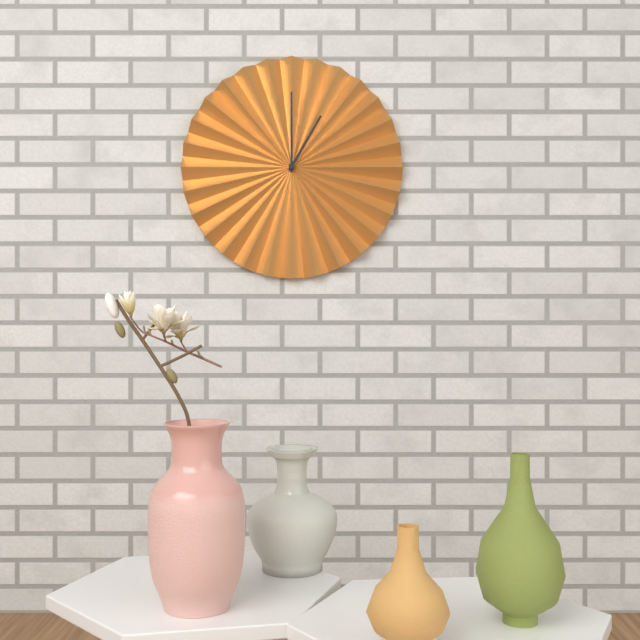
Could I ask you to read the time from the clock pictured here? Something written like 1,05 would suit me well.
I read 1,00
